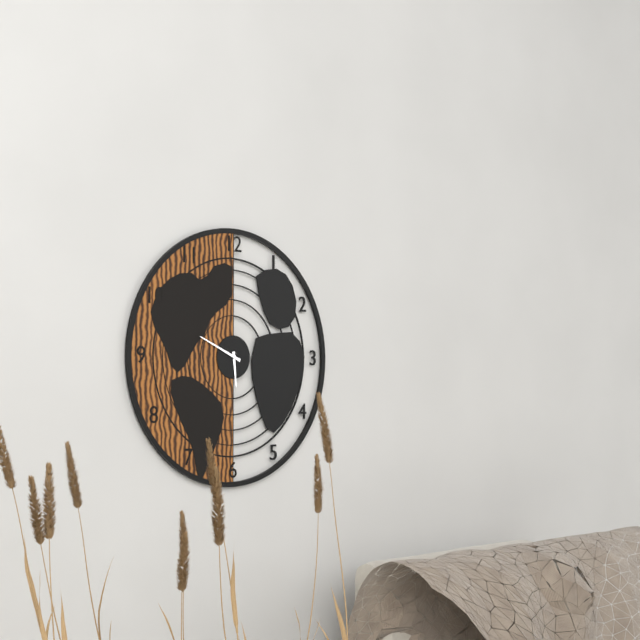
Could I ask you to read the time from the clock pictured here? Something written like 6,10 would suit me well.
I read 5,49
